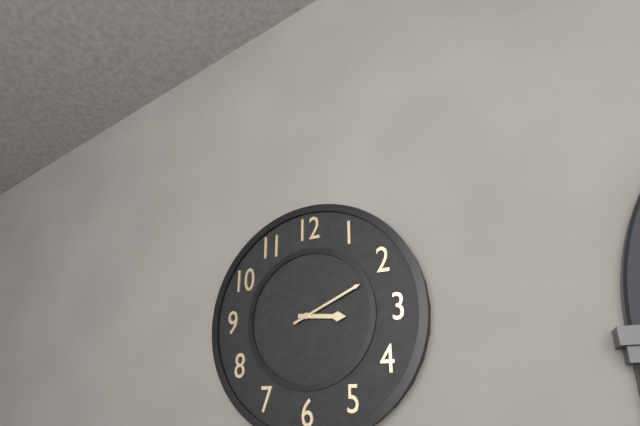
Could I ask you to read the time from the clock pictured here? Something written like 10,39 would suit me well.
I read 3,11
